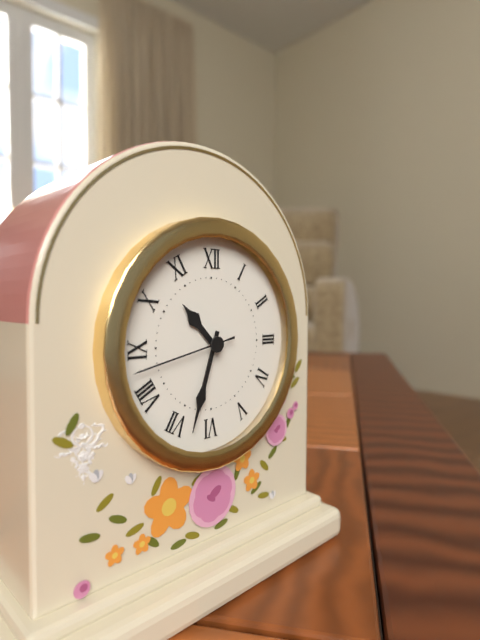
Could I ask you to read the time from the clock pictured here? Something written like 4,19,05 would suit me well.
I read 10,33,43
